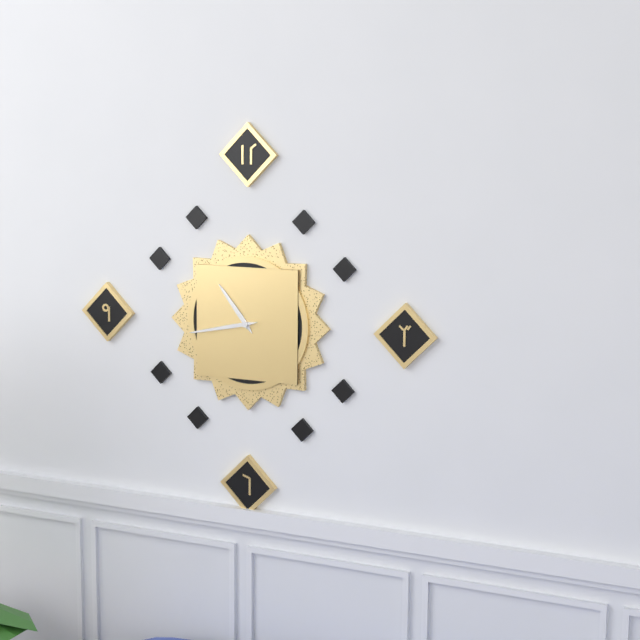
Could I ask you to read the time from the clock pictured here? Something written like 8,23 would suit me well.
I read 10,43
